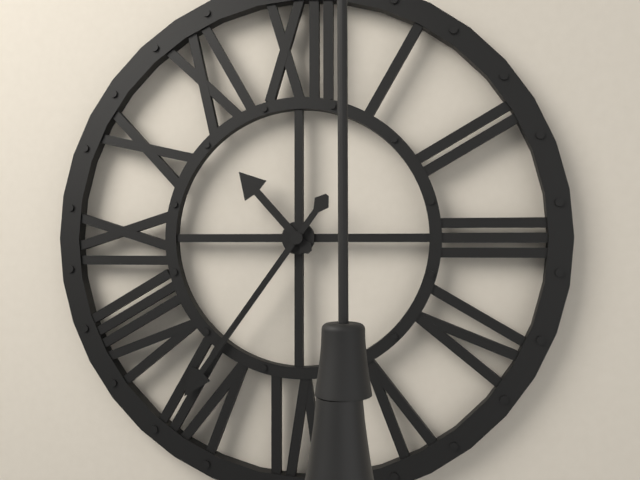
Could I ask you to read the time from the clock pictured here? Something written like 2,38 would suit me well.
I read 10,36
